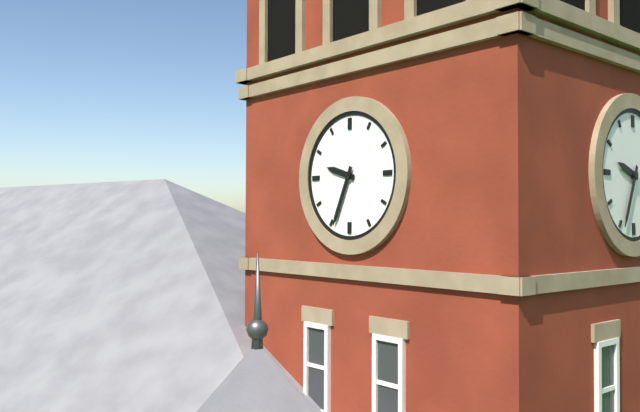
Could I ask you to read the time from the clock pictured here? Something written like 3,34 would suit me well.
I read 9,34
